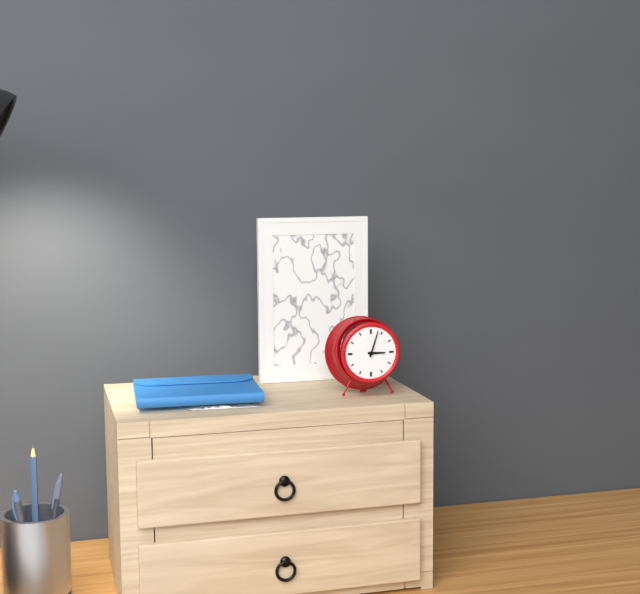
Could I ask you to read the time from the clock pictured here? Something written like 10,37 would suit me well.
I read 3,03
